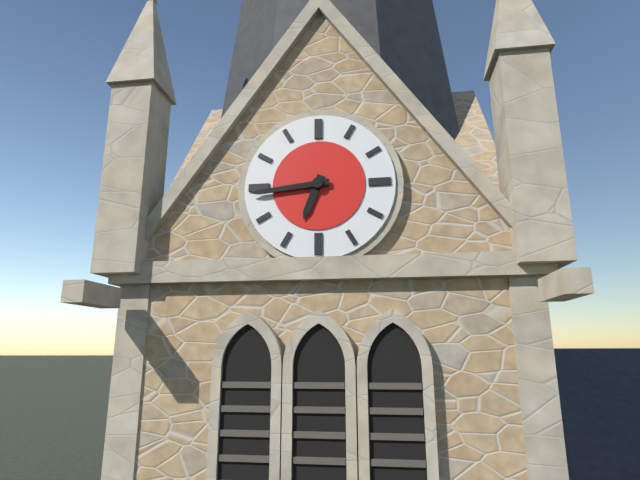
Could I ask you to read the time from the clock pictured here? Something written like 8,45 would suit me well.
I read 6,44
